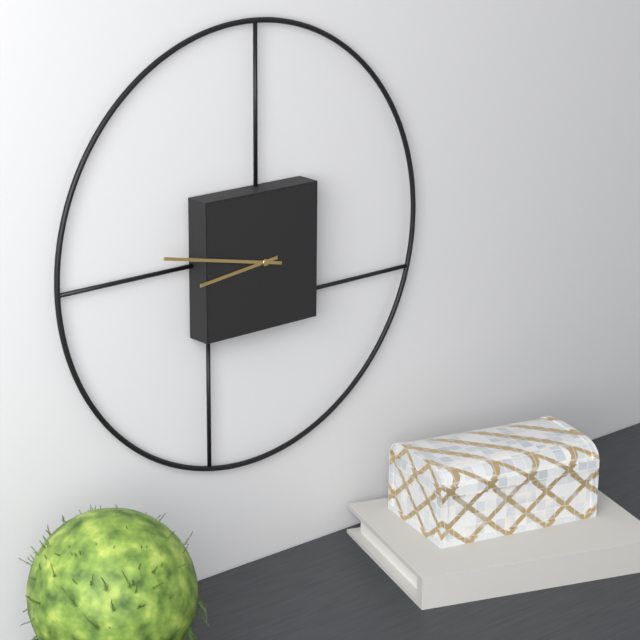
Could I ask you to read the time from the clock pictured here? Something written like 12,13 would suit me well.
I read 8,47
